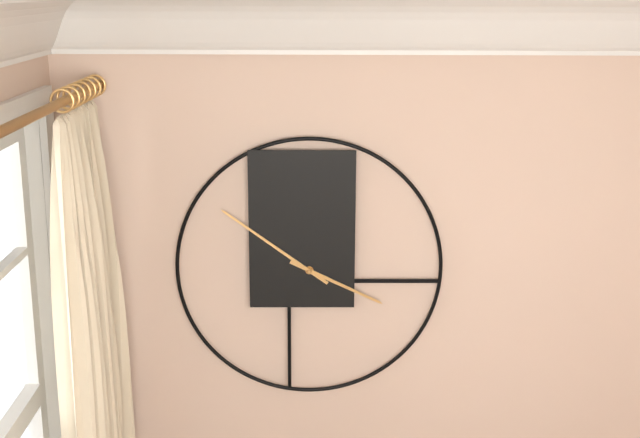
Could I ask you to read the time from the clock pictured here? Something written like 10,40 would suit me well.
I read 3,51
